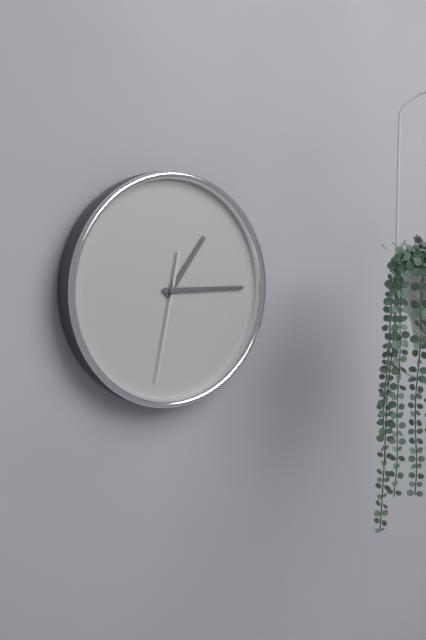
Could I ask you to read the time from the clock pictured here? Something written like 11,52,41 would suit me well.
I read 1,15,32
